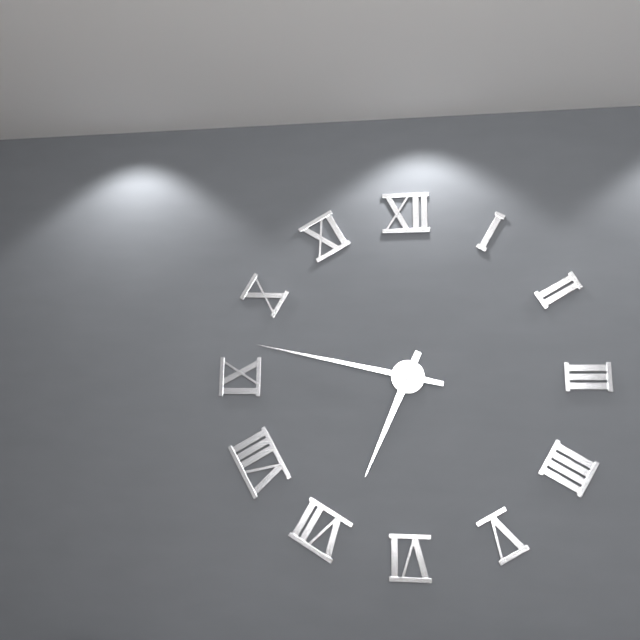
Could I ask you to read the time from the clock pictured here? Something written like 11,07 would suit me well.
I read 6,47
